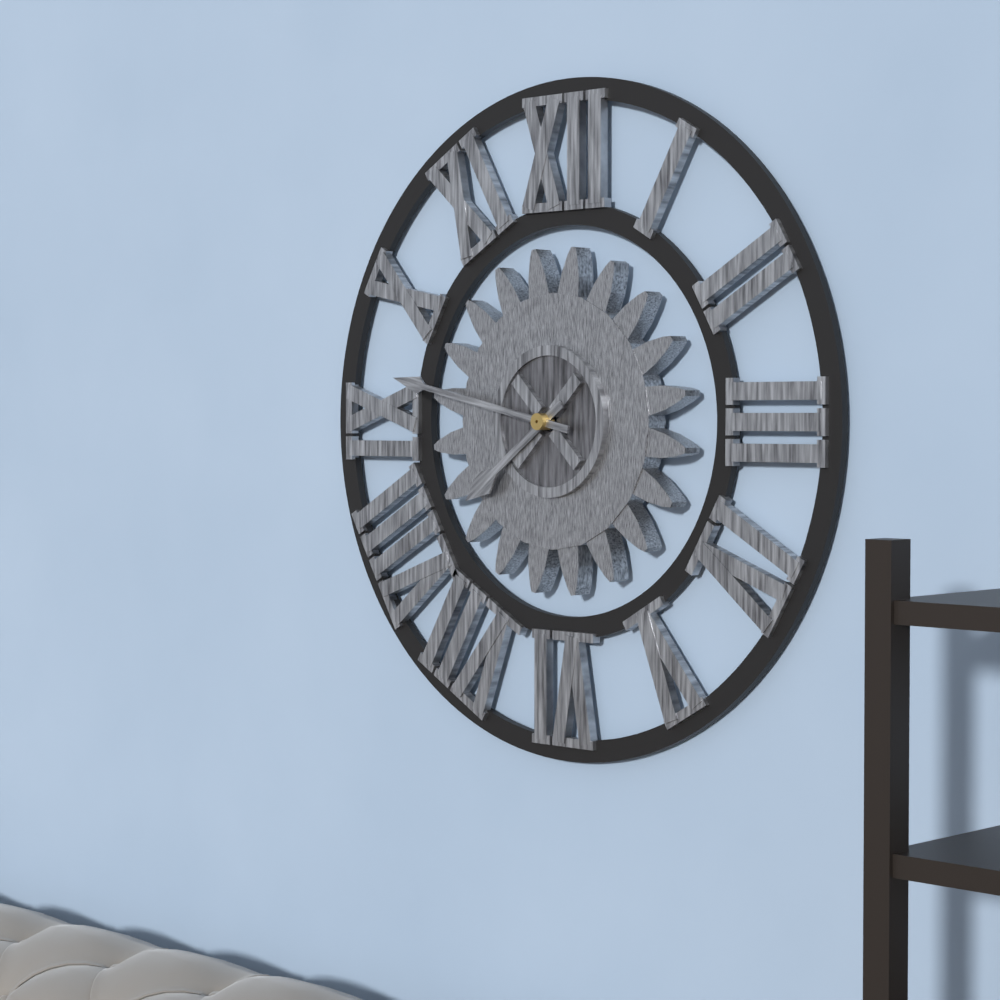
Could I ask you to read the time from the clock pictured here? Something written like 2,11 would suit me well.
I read 7,47
